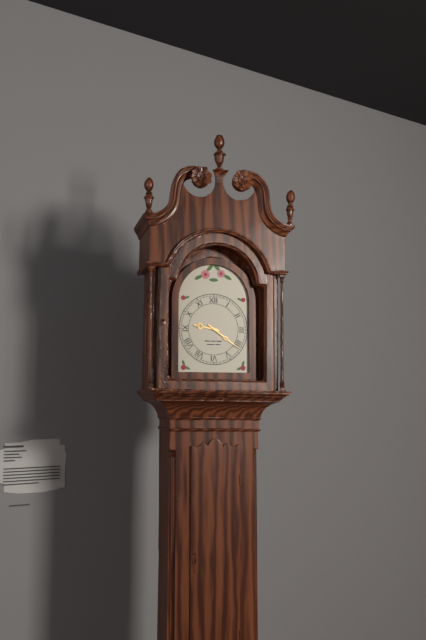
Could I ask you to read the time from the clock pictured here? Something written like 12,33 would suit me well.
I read 9,21
